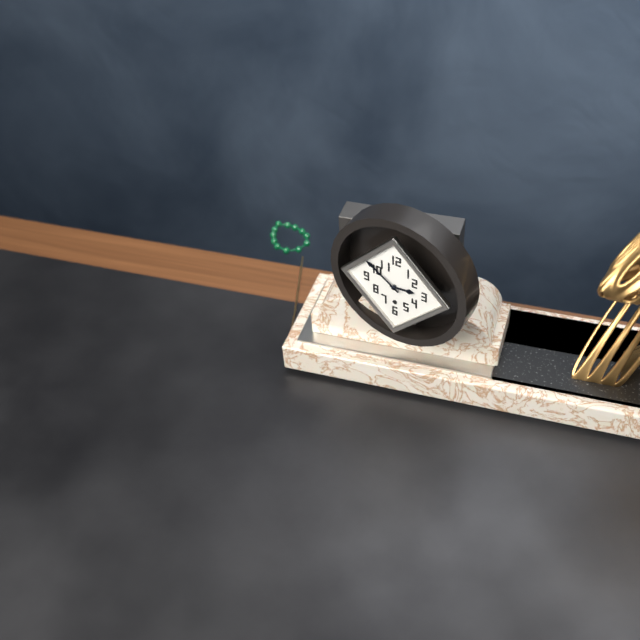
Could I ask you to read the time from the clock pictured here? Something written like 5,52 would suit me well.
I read 2,51
